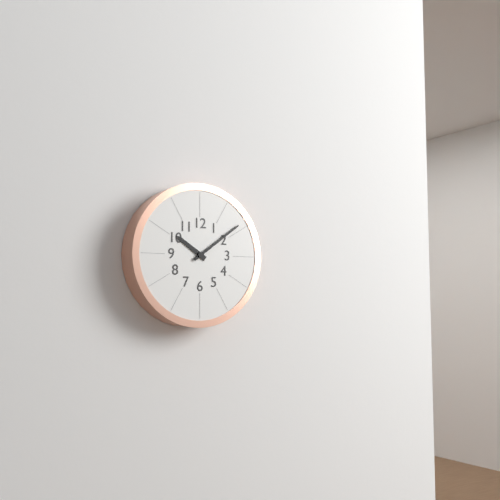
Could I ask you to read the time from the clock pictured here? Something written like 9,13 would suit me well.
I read 10,09
